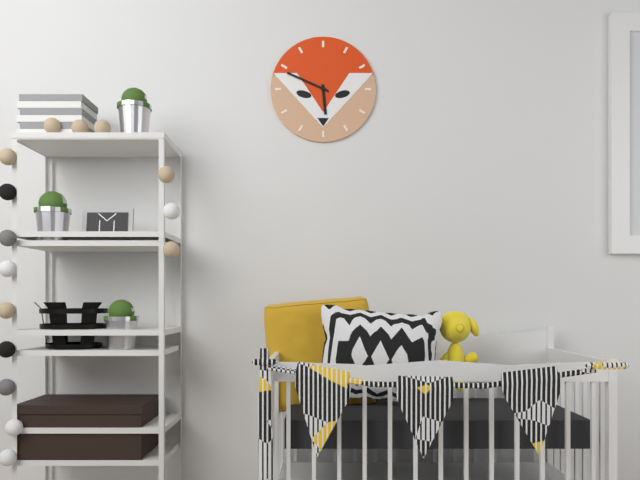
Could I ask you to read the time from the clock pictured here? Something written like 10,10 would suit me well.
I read 5,49
